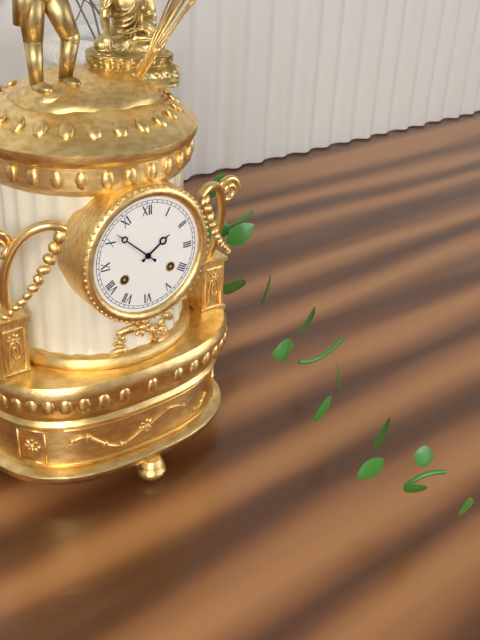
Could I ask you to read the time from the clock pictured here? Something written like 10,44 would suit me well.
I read 1,52
